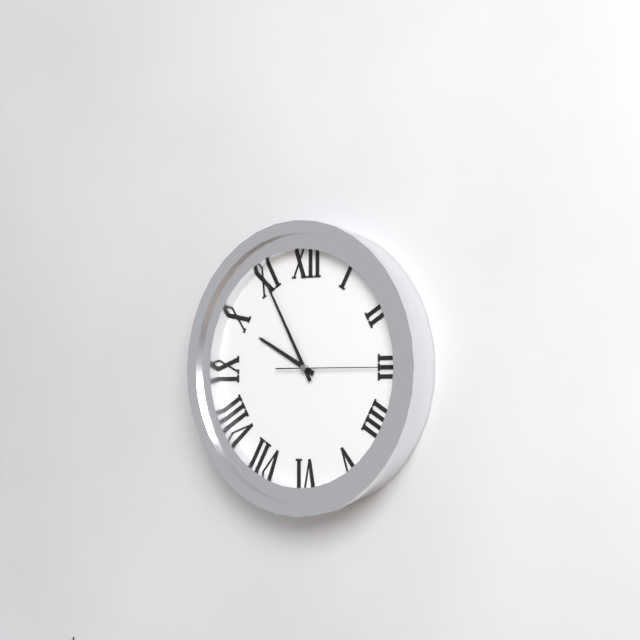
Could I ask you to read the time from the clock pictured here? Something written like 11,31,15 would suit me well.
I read 9,55,15
